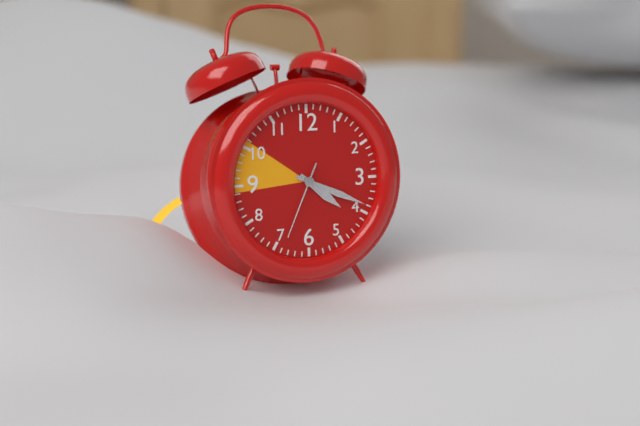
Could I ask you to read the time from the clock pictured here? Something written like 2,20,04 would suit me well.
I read 4,19,34
